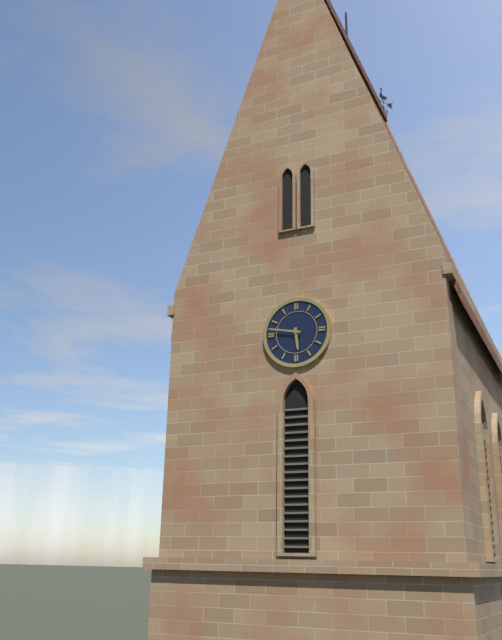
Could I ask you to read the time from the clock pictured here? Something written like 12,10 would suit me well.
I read 5,47
